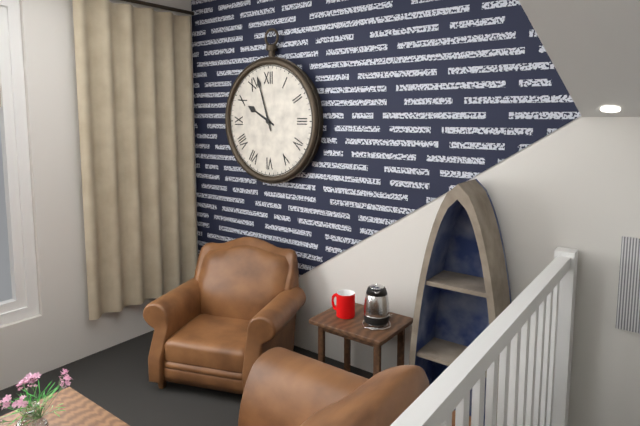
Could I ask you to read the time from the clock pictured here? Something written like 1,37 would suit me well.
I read 9,57
